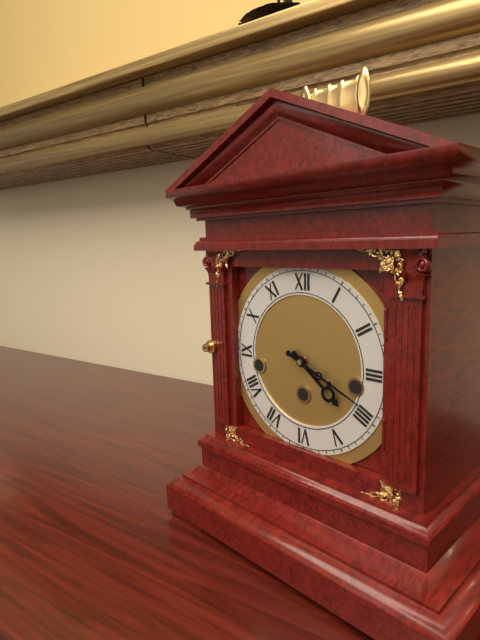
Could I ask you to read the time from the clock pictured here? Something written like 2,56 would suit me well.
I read 4,19
